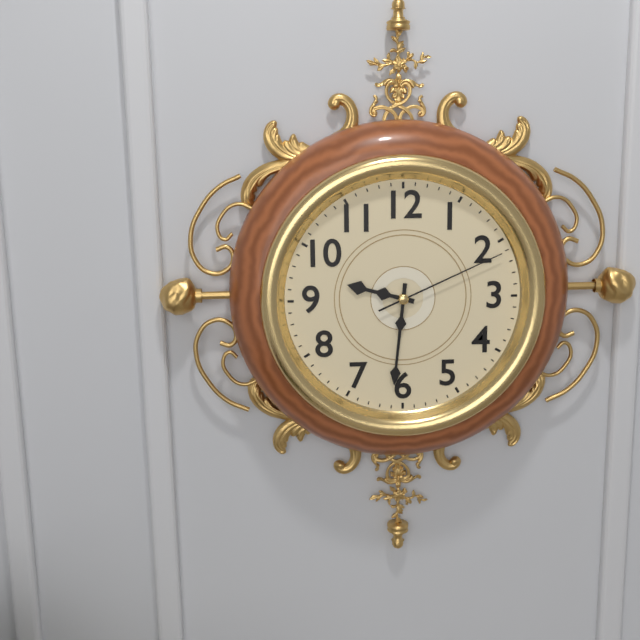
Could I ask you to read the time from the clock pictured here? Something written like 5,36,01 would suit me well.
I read 9,31,11
